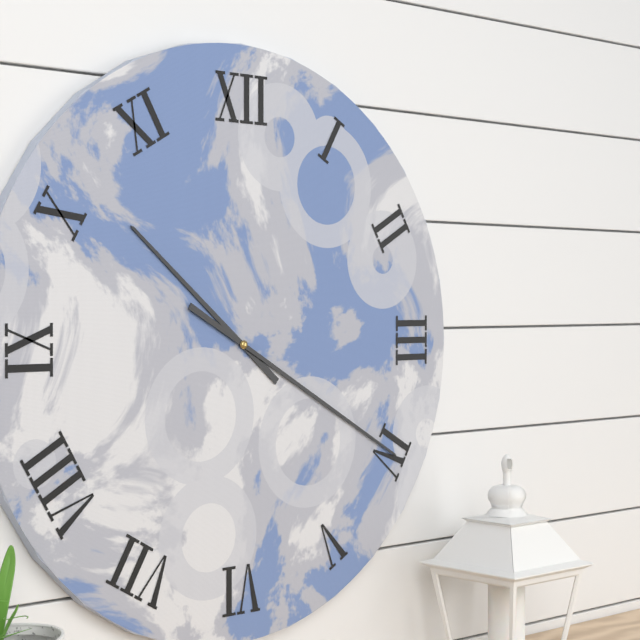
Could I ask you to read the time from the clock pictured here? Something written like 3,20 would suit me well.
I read 10,20
